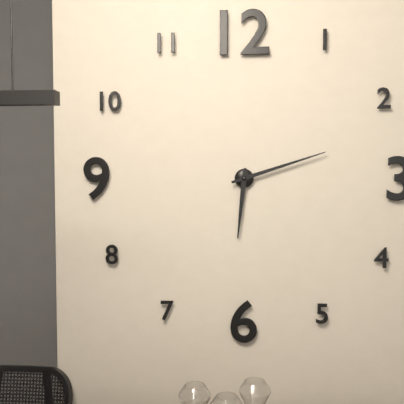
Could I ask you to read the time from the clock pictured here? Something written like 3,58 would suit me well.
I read 6,12
